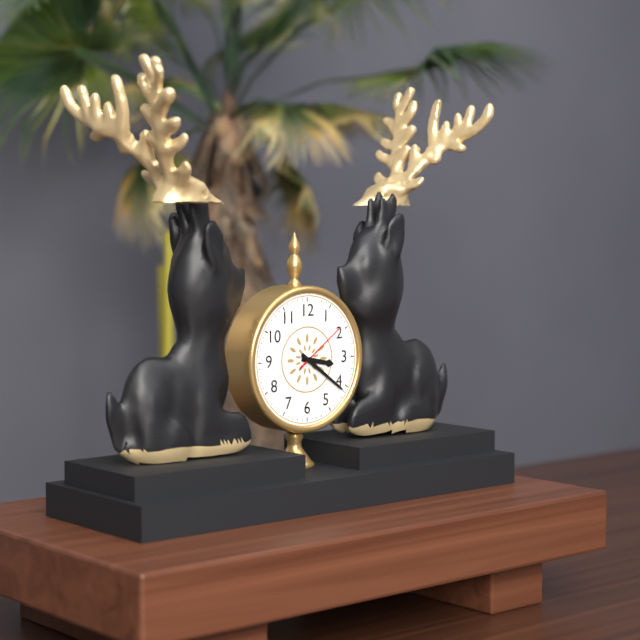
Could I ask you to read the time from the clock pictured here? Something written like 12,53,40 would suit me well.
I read 3,21,09
